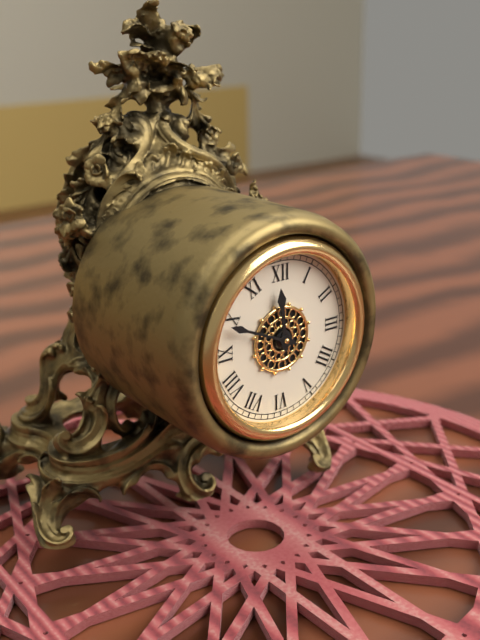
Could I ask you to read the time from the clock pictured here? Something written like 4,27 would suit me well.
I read 11,49
